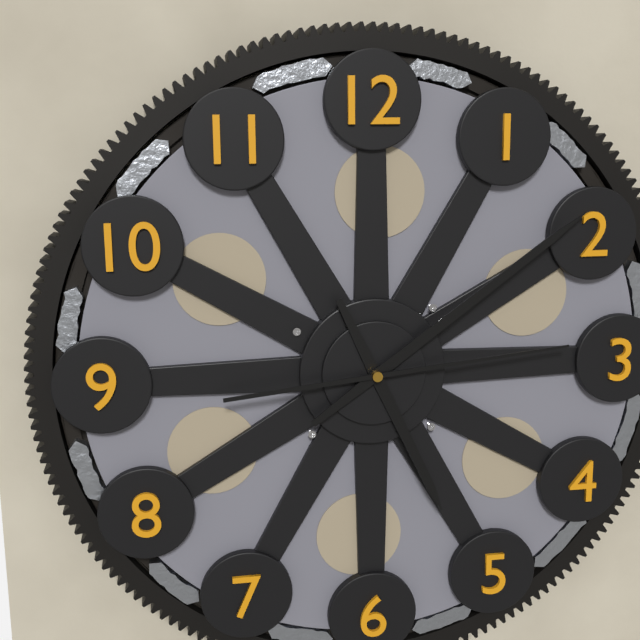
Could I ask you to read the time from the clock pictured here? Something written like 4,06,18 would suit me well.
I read 5,09,14
